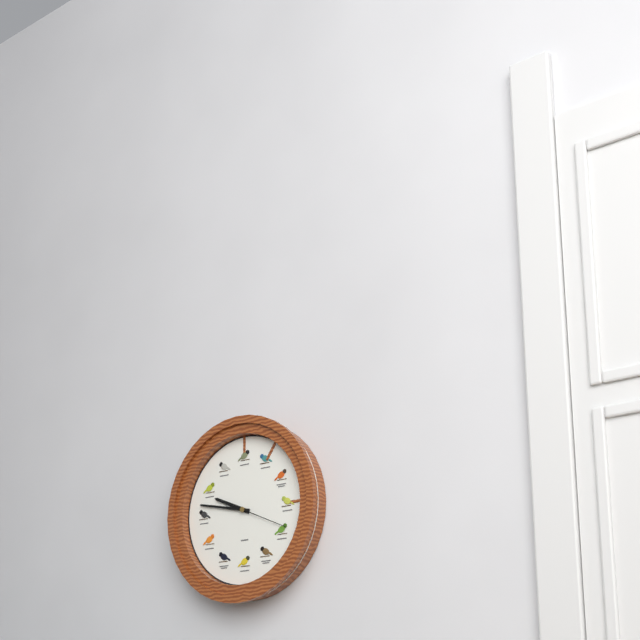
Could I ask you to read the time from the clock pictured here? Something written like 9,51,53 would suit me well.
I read 9,47,19
